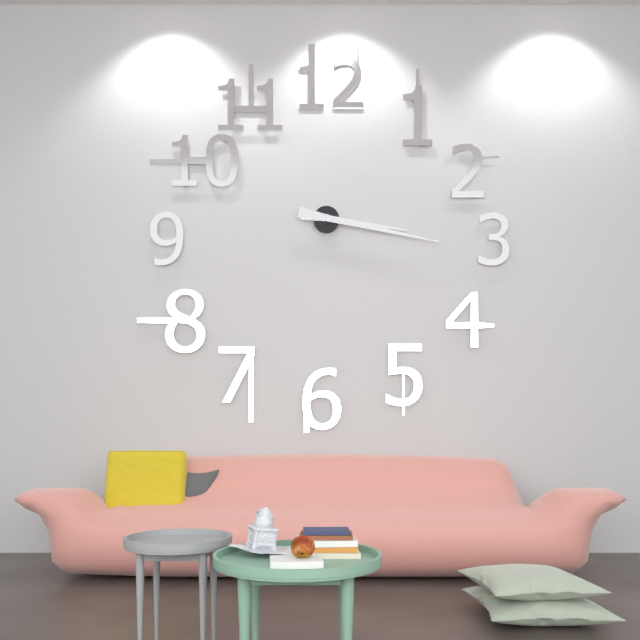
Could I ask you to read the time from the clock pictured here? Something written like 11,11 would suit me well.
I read 3,17
